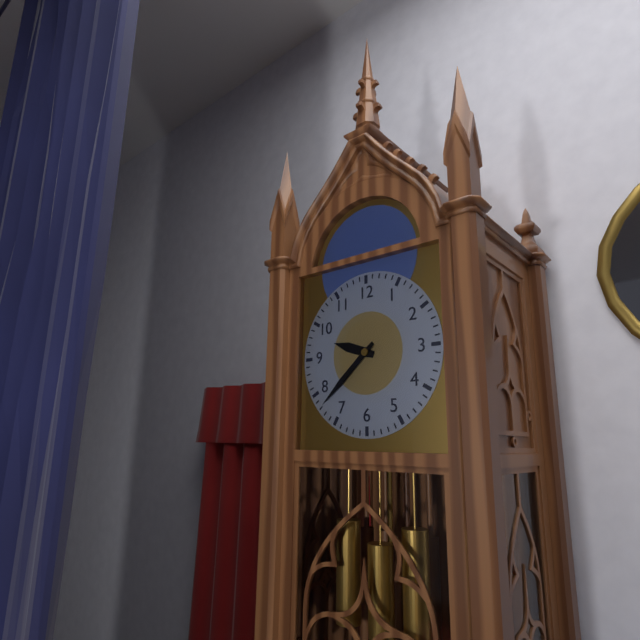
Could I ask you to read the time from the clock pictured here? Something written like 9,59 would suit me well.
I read 9,38
